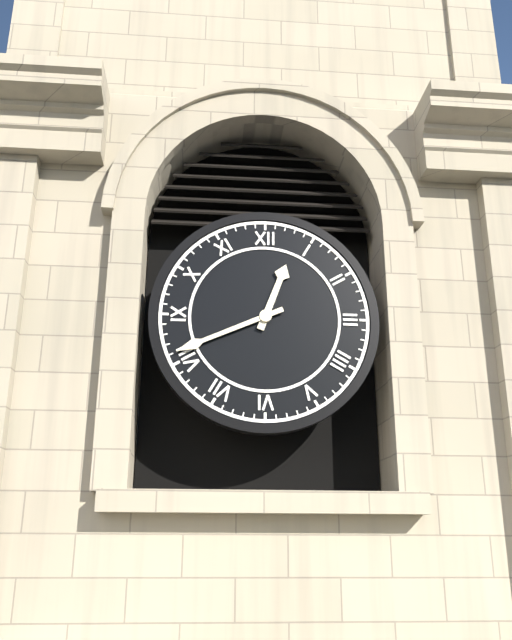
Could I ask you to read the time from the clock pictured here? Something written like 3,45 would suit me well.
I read 12,41
